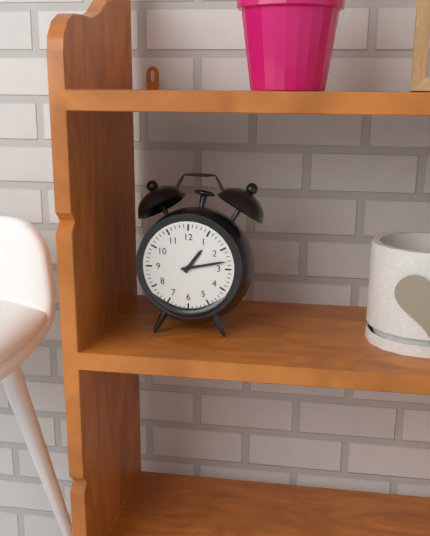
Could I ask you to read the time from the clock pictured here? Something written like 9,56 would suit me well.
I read 1,13
